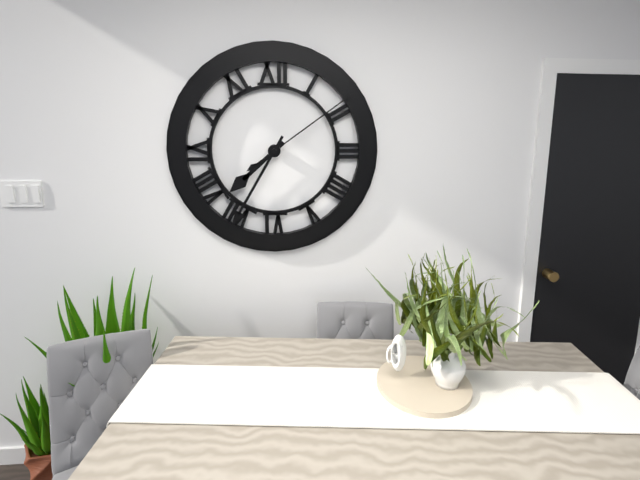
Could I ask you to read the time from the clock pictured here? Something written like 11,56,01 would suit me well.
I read 7,35,09
